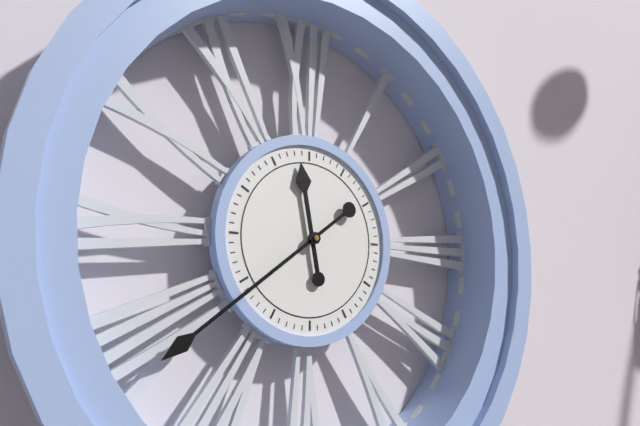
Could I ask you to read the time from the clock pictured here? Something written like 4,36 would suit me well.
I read 11,39
